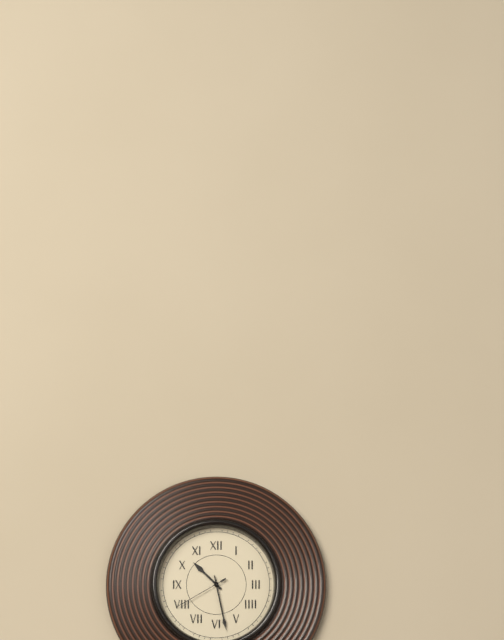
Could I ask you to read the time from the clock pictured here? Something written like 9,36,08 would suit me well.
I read 10,28,40
